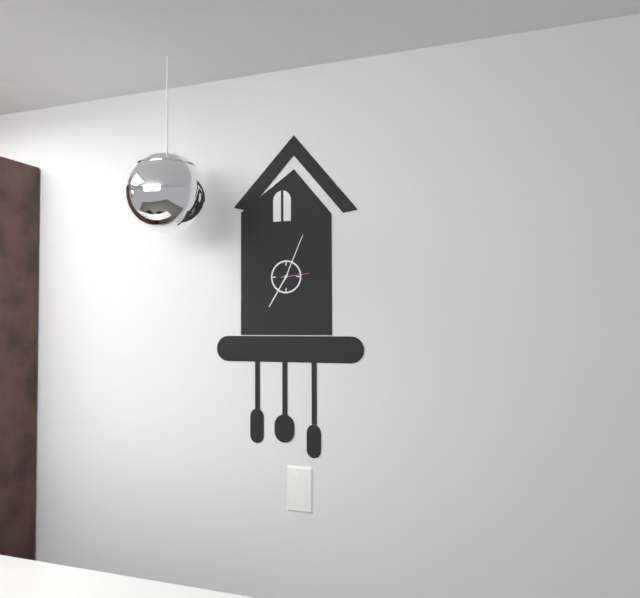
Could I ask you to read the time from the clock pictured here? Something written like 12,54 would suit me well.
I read 7,04
